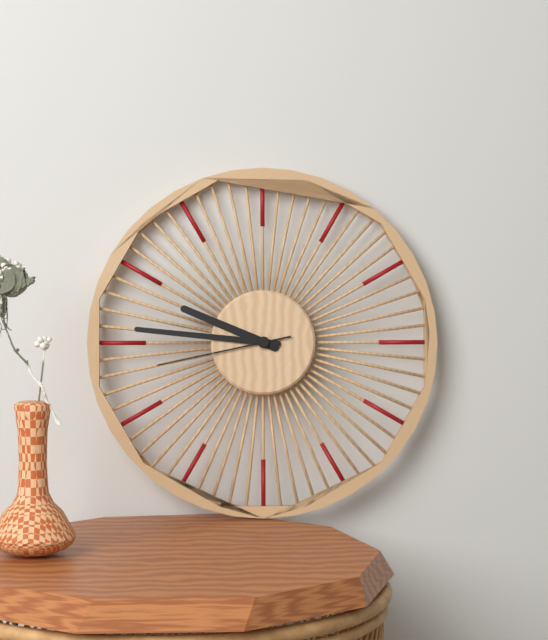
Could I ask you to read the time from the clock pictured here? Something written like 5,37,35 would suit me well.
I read 9,46,43
